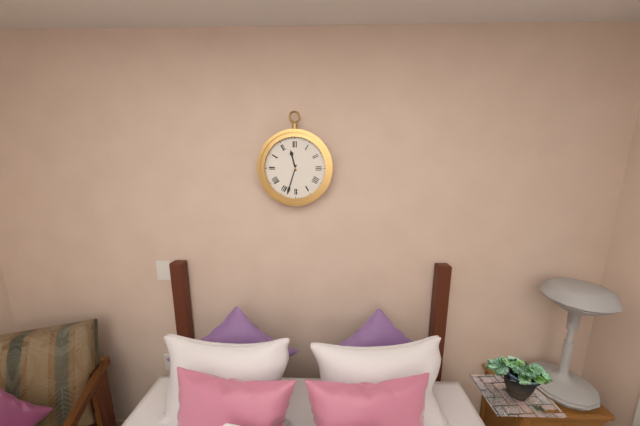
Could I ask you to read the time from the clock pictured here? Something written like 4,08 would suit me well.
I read 11,33
